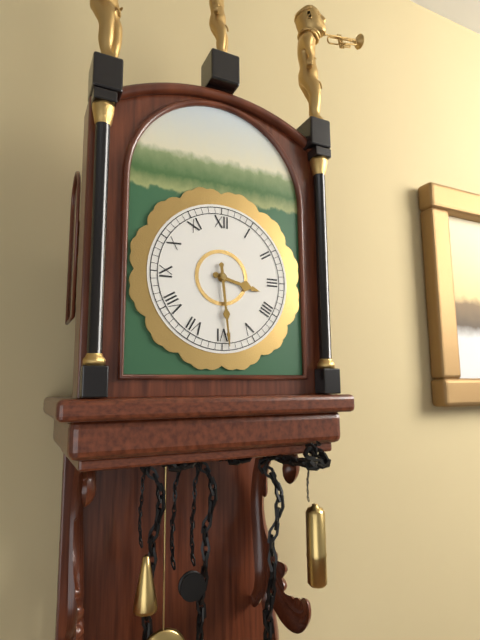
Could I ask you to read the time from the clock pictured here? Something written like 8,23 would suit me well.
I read 3,29
